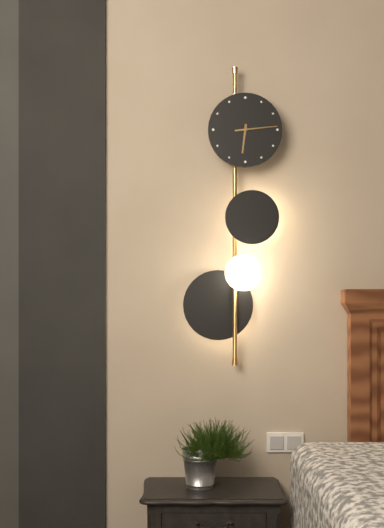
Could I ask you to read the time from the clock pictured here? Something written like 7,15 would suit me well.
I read 6,14
